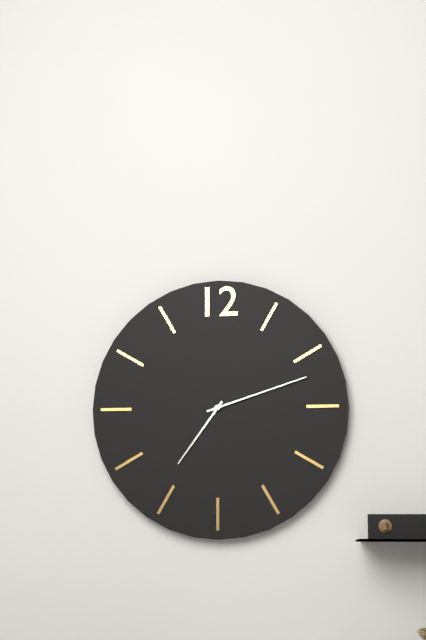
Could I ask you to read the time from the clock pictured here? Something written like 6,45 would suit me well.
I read 7,12
